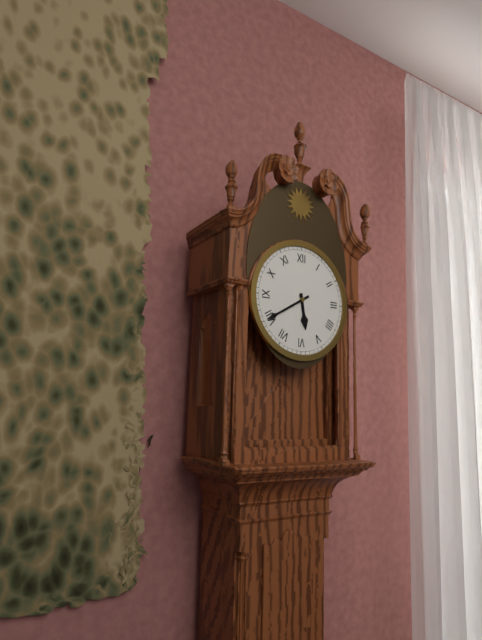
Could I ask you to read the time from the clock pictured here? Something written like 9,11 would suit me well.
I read 5,40
